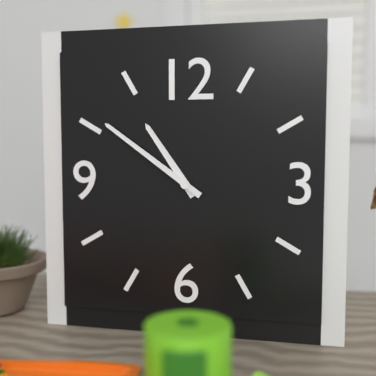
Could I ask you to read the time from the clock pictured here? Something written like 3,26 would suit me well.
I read 10,51
